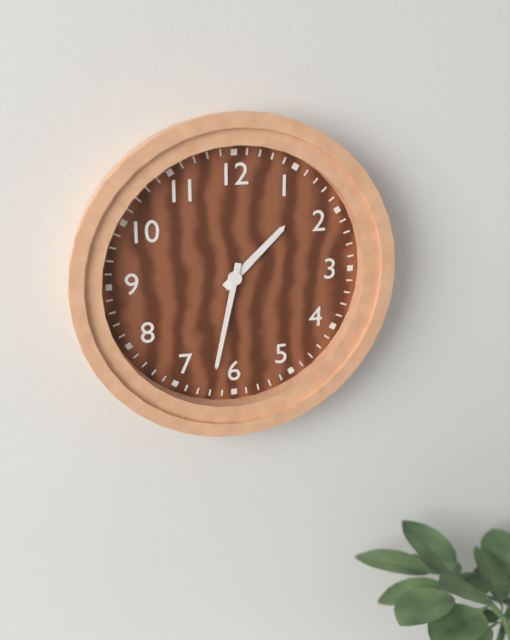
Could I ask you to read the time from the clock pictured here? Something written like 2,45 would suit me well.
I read 1,32
